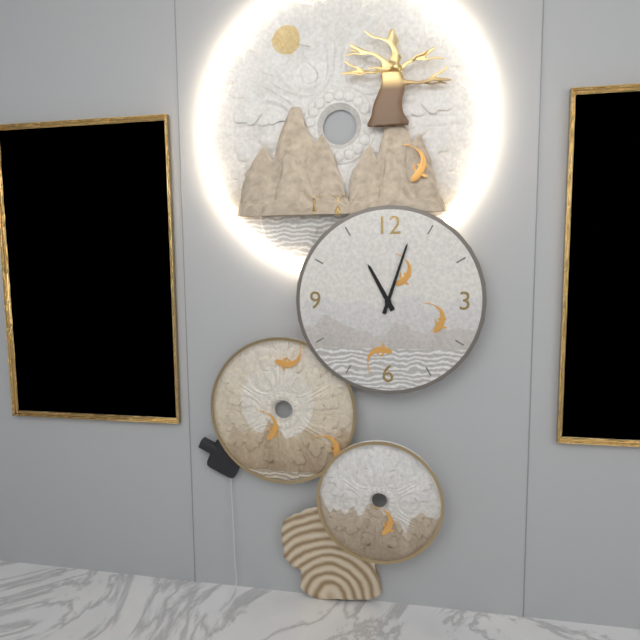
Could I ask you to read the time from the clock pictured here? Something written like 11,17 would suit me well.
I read 11,03
